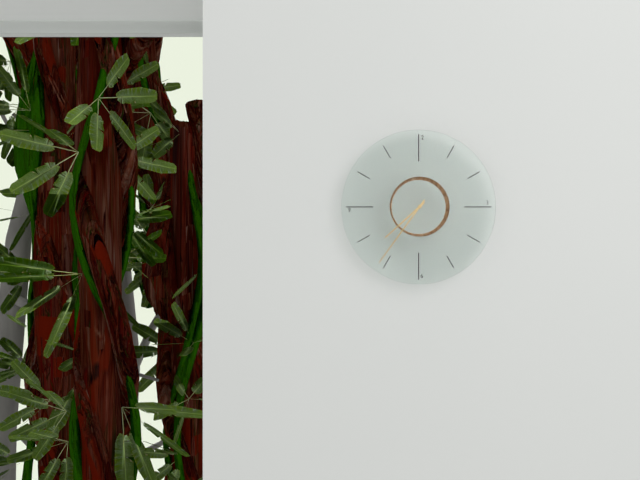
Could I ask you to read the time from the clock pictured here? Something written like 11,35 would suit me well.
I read 7,36
